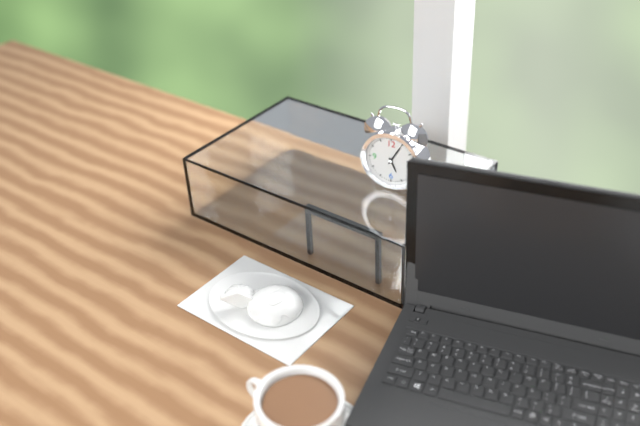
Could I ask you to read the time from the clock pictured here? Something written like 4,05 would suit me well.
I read 5,05
